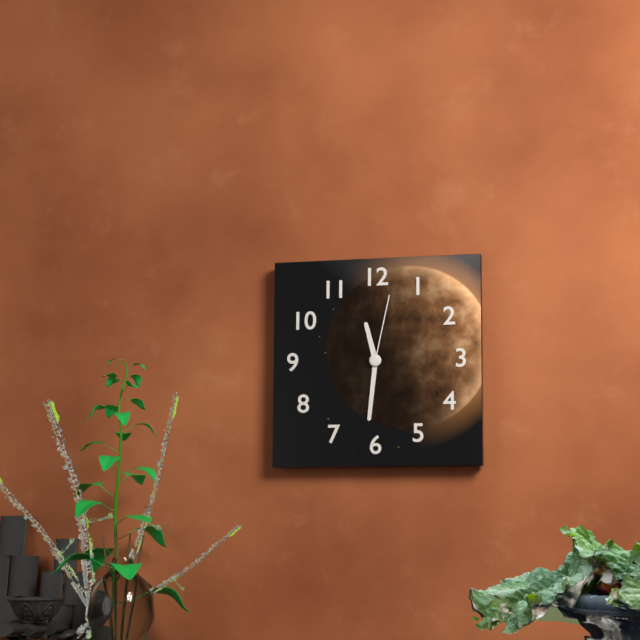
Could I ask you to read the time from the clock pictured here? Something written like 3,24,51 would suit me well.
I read 11,31,02
